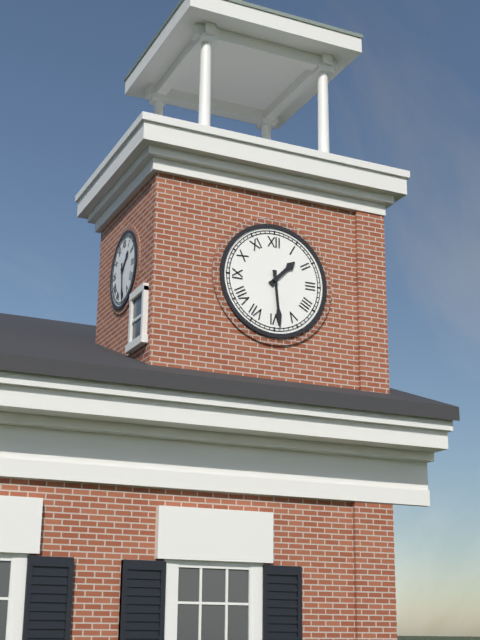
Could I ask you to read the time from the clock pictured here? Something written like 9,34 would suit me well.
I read 1,29
